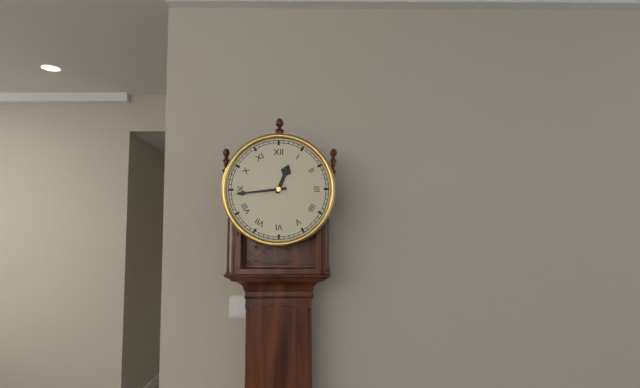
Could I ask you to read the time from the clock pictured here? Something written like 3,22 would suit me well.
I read 12,44
